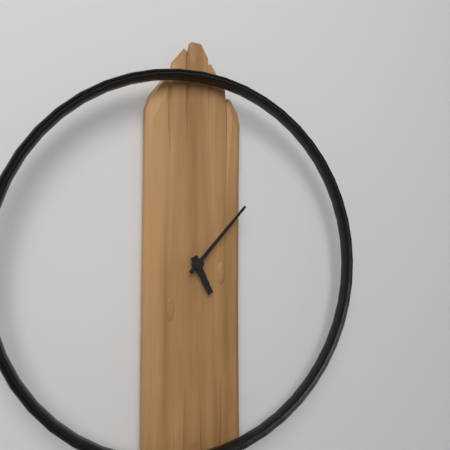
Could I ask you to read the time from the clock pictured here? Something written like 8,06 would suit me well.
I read 5,07
